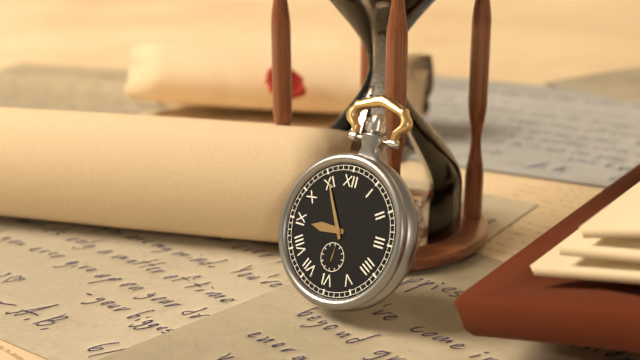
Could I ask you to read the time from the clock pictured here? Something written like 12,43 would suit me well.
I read 8,55
